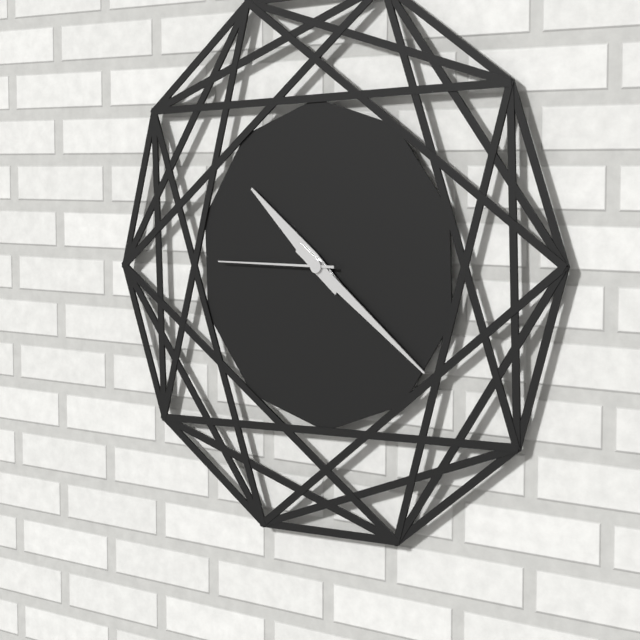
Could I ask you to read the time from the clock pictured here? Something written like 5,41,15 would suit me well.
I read 10,21,45
